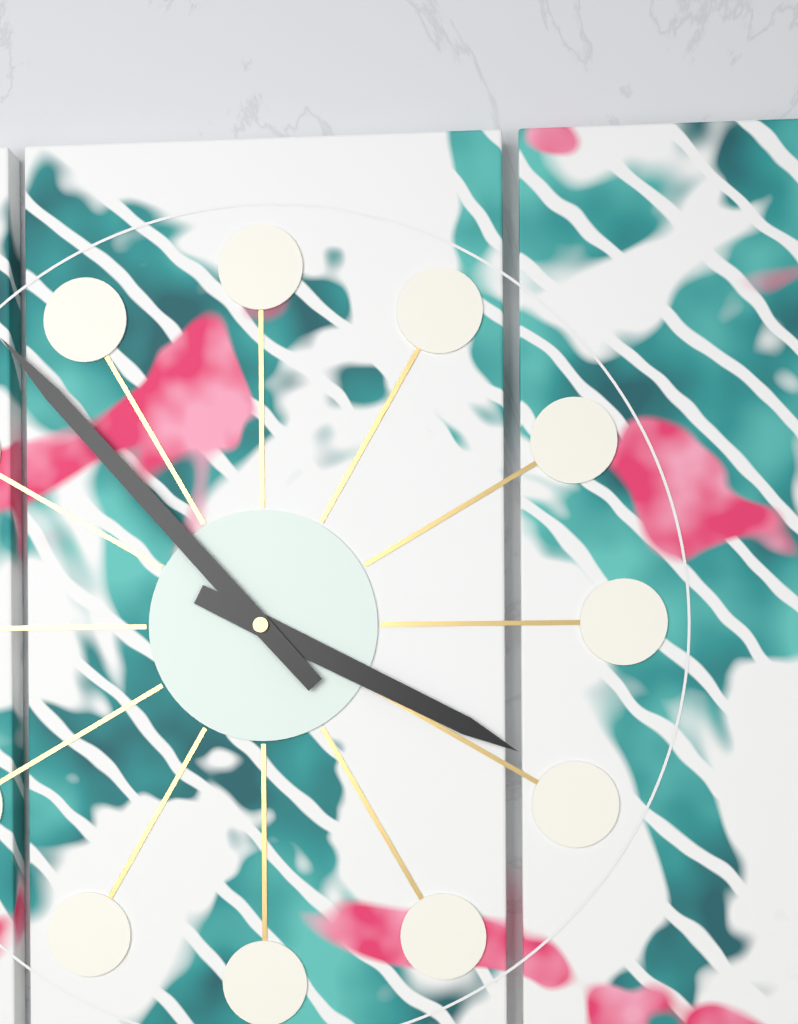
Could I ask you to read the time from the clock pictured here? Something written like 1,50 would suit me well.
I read 3,53
